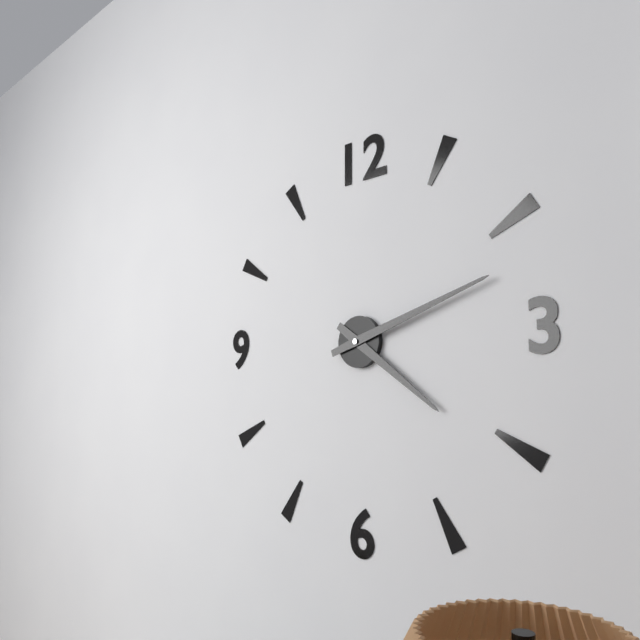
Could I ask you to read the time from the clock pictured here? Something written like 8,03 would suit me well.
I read 4,12
